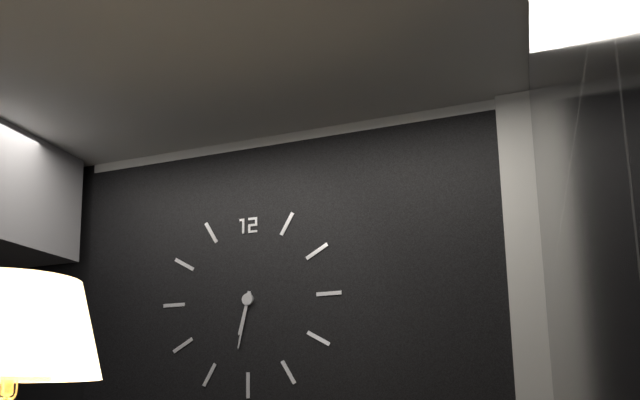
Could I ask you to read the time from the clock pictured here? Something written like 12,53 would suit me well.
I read 6,32
